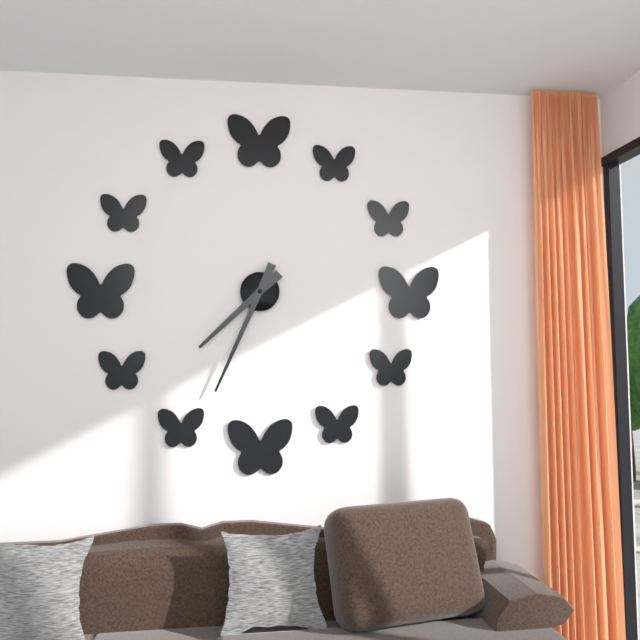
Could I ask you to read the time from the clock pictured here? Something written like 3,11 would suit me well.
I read 7,34
